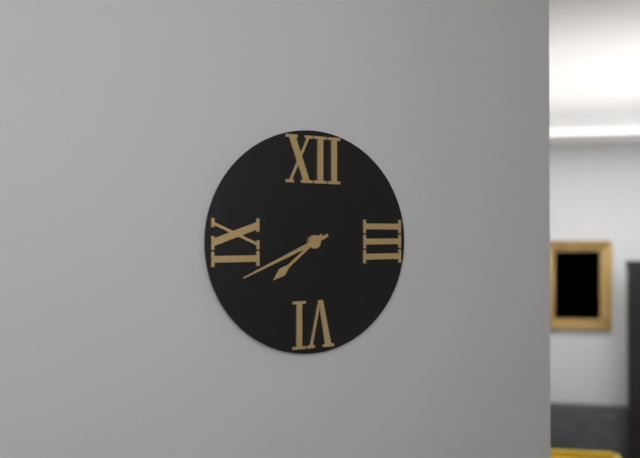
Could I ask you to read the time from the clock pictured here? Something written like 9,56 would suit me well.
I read 7,41
